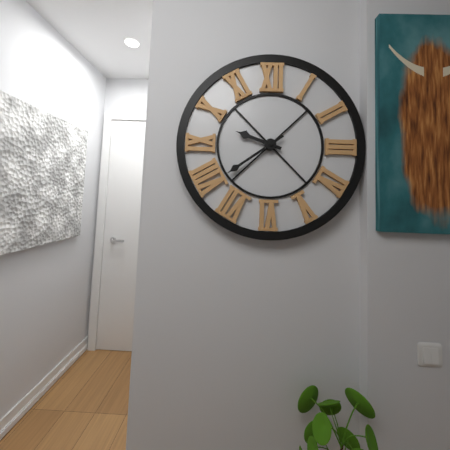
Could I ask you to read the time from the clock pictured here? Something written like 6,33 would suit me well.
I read 9,39
